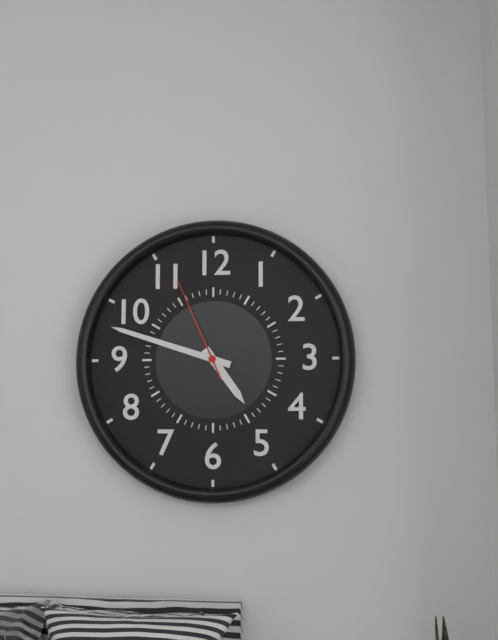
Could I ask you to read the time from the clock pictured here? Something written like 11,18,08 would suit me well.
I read 4,48,56
